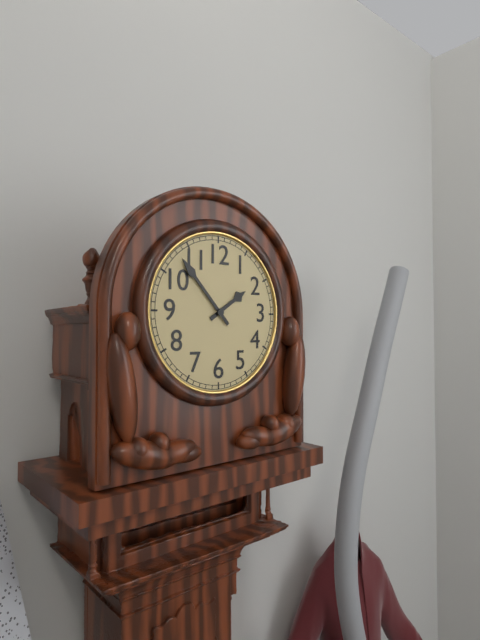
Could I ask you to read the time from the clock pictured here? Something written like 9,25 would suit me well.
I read 1,53
